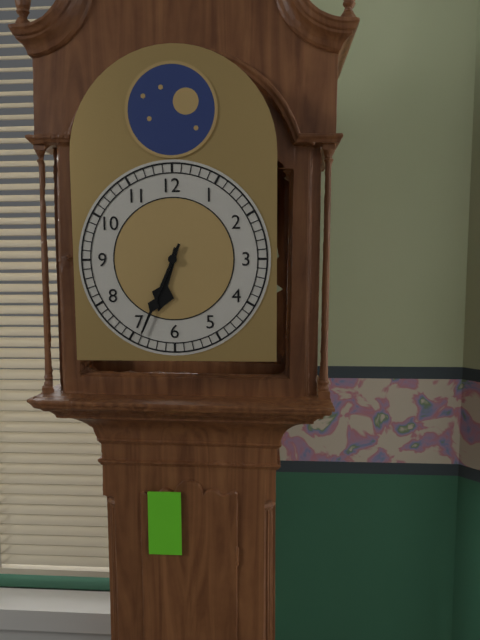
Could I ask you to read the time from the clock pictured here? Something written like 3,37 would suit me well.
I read 6,34
